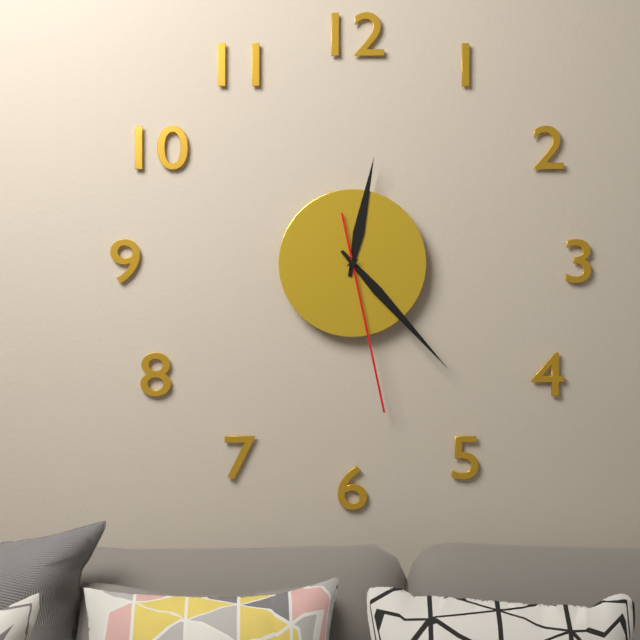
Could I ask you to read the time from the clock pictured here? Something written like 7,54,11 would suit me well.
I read 12,23,28
